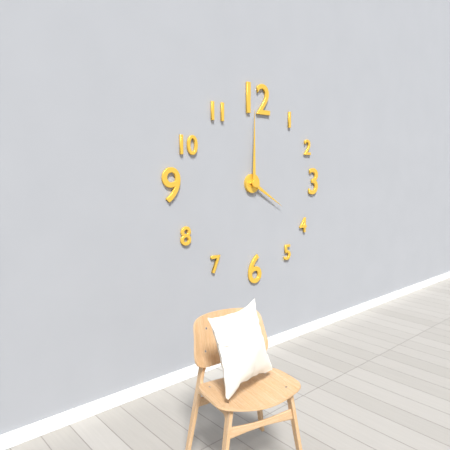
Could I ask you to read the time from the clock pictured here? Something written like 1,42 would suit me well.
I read 4,00
